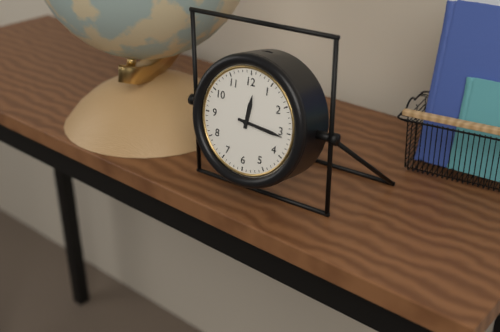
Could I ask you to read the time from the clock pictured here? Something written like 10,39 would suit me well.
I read 12,16
